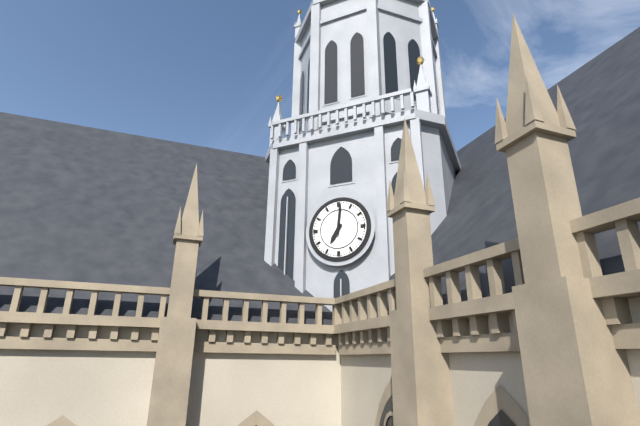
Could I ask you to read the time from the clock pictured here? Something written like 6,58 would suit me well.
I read 7,01
